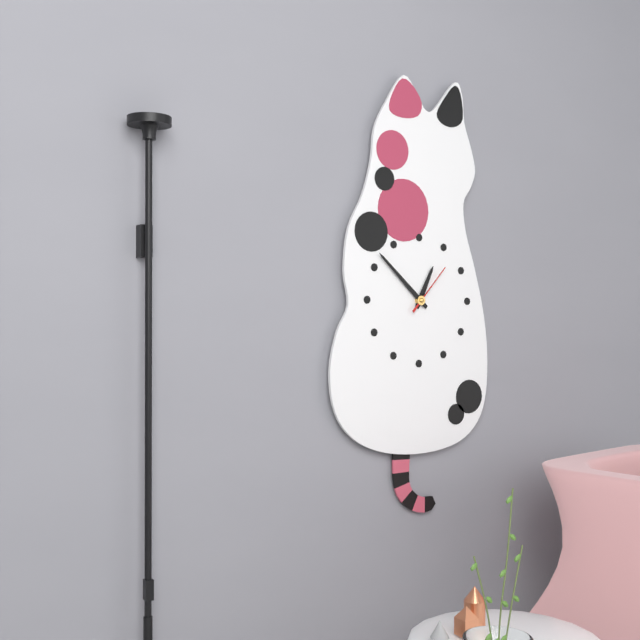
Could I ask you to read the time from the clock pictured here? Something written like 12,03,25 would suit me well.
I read 12,52,07
